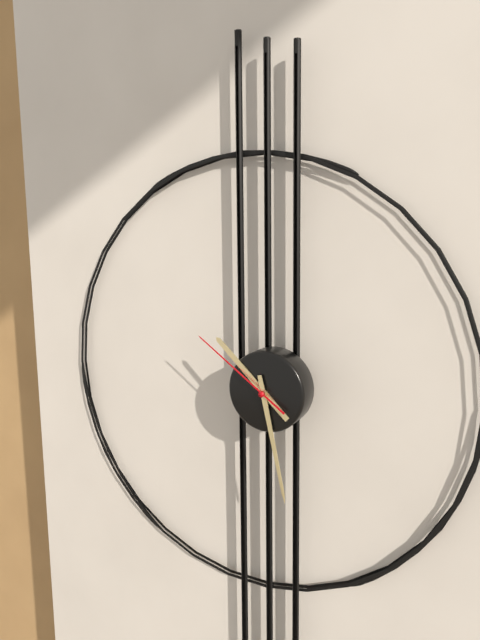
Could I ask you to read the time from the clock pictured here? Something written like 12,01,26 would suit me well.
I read 10,28,51
